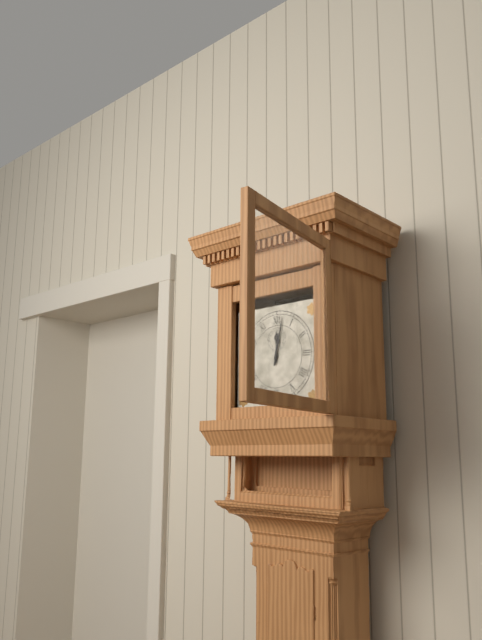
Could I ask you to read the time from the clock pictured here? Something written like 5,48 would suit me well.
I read 12,02
